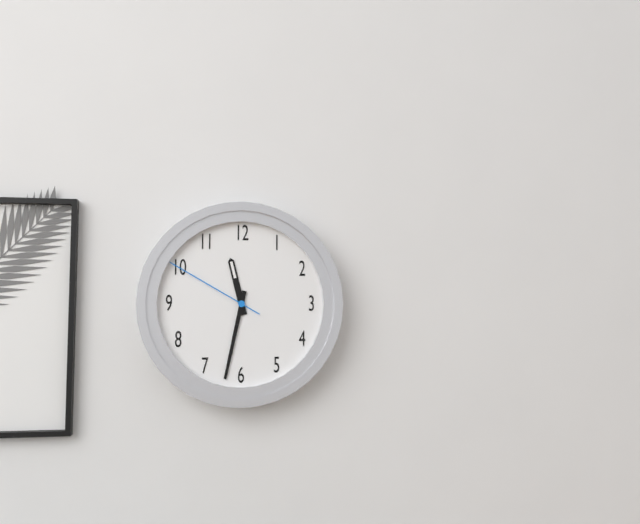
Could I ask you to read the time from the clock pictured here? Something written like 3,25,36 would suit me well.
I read 11,32,50
